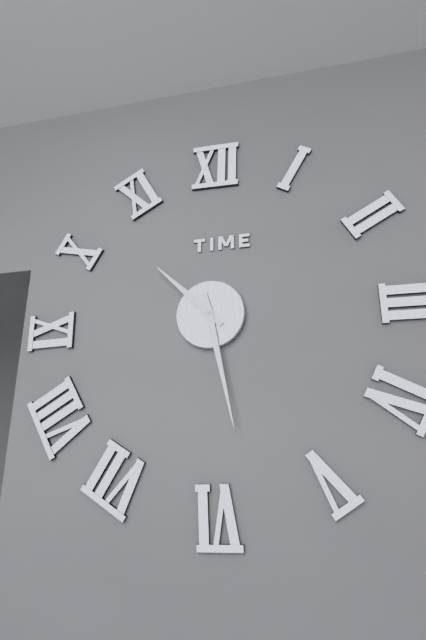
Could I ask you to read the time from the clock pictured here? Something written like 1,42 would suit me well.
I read 10,28
